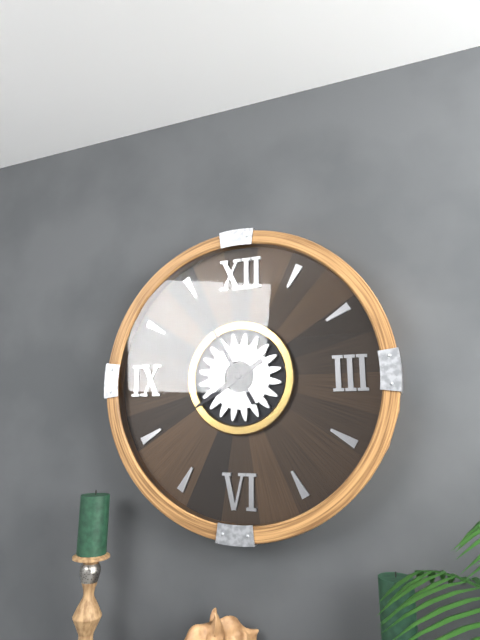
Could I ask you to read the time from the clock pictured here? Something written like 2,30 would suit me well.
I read 7,55
